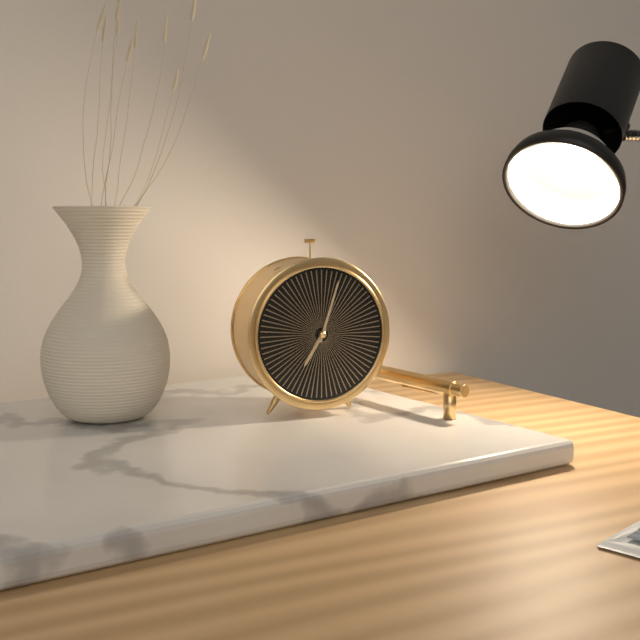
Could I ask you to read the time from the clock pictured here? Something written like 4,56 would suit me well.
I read 7,03
